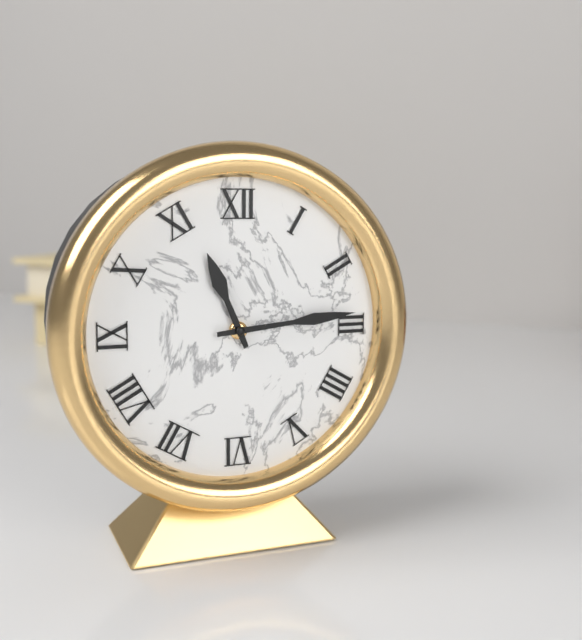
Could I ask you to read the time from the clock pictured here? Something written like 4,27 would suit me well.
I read 11,14
